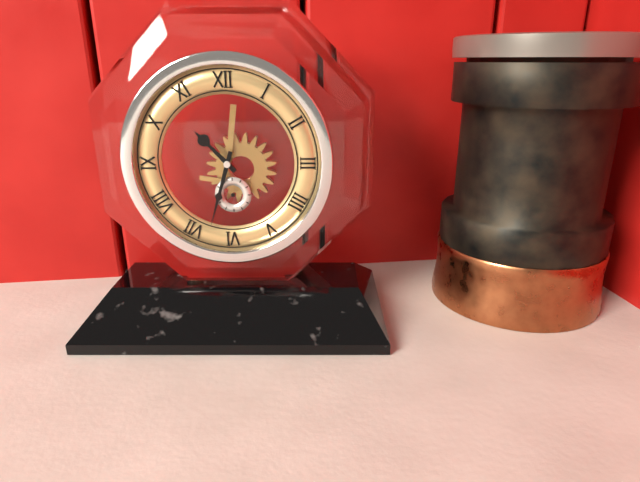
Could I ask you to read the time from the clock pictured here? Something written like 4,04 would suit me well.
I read 10,33
